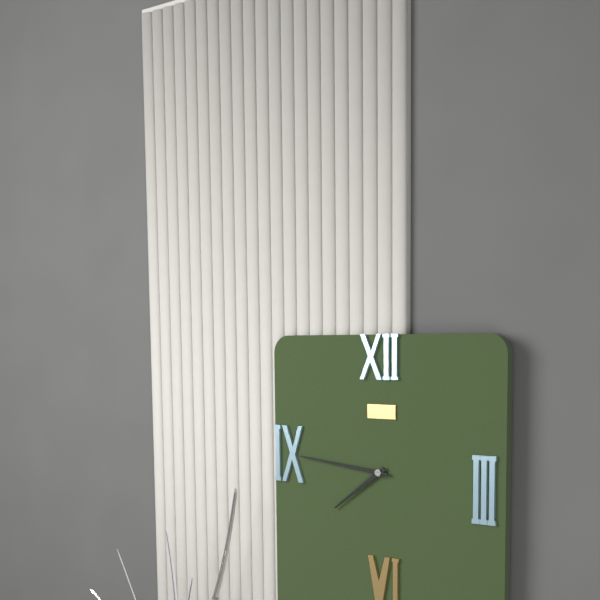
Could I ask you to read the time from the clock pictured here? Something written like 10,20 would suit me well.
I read 7,46
